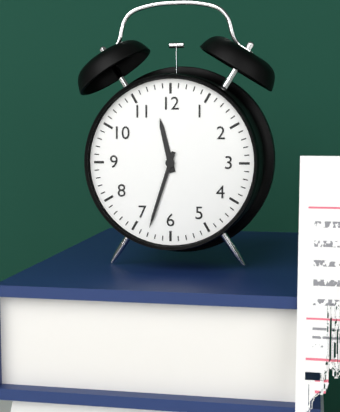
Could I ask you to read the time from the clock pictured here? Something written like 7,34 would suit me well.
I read 11,33
